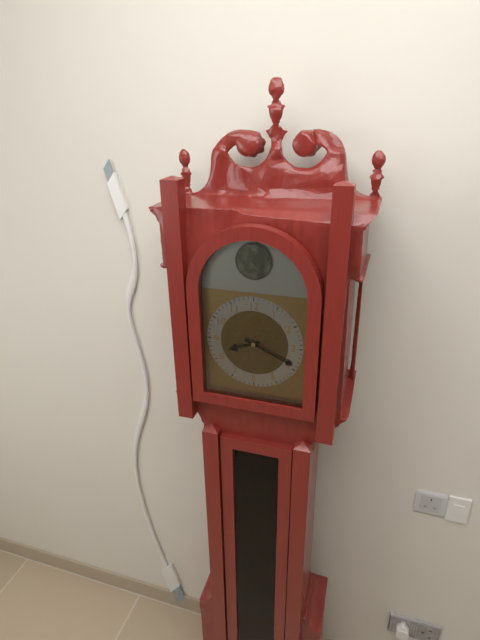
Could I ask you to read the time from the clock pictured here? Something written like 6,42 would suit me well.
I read 8,19
